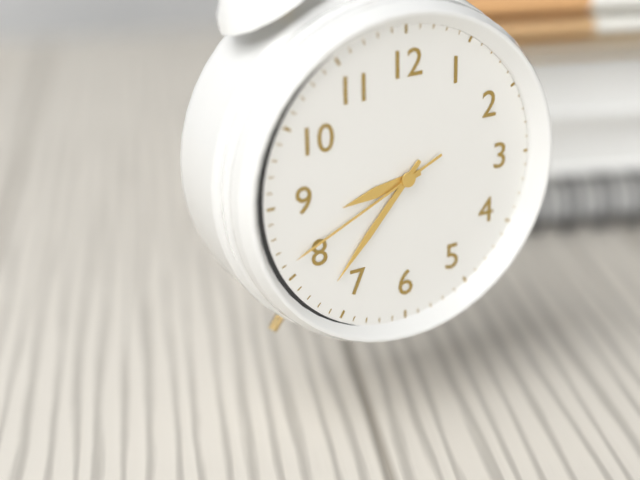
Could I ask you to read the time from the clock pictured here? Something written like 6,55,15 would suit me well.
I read 8,37,41
